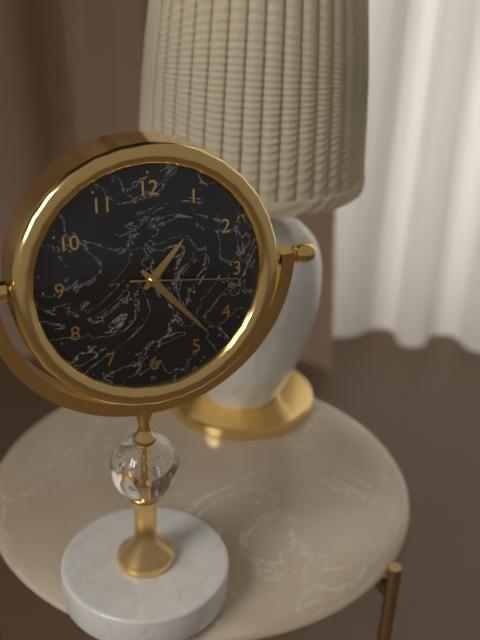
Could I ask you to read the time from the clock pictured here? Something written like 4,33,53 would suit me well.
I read 1,23,16
